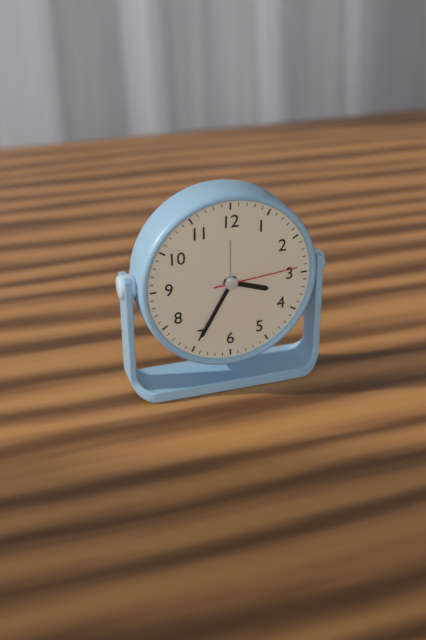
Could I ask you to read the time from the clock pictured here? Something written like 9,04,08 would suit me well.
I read 3,35,14
